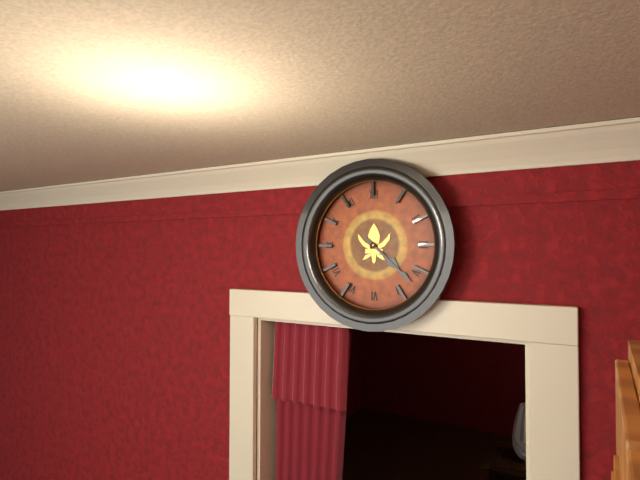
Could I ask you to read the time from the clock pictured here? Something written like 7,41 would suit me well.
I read 4,22
